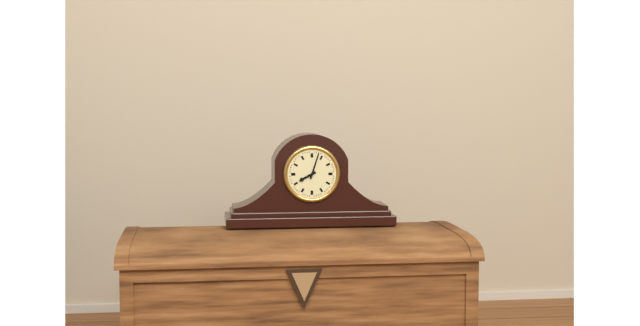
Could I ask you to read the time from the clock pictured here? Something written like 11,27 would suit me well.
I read 8,03
